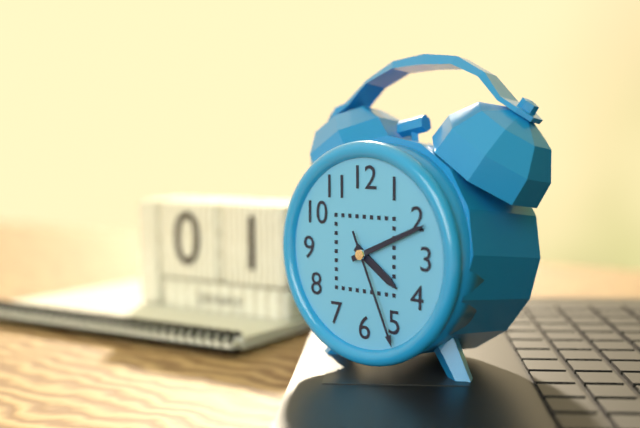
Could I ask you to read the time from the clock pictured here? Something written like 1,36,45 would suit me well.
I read 4,11,26
